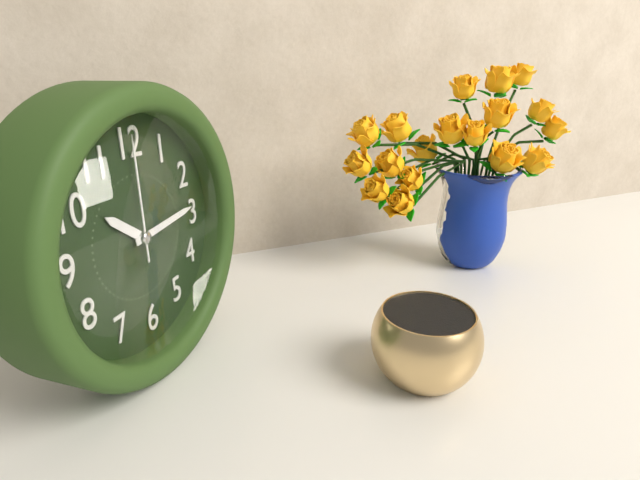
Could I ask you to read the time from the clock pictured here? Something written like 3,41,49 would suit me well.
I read 10,14,00
